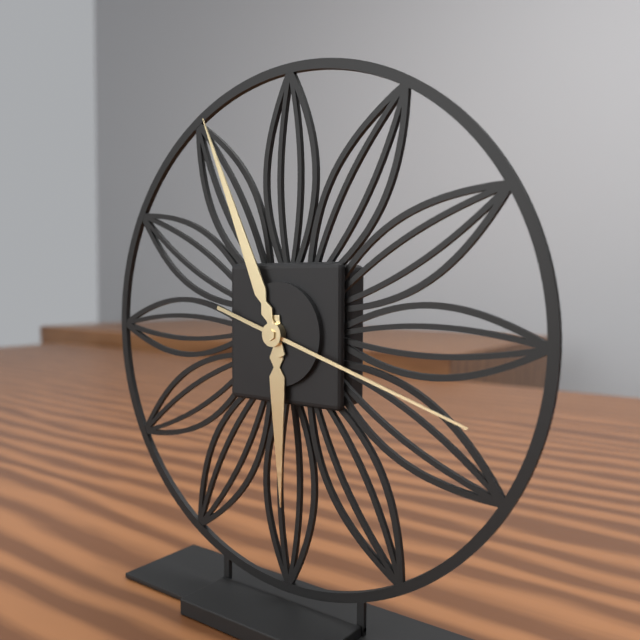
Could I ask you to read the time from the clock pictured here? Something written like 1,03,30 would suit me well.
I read 5,56,18
